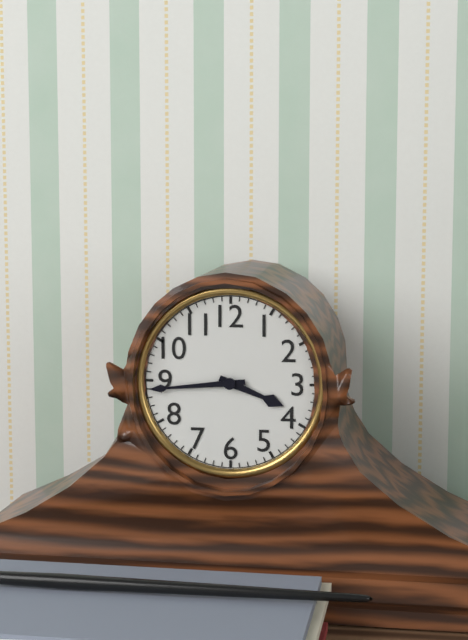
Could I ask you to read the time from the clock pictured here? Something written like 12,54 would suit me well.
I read 3,44
